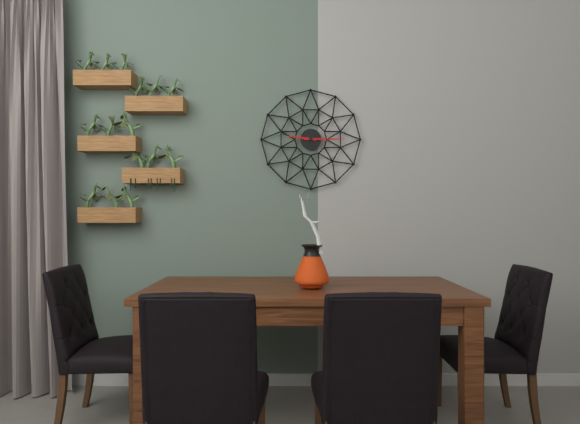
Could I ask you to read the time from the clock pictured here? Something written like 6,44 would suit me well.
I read 9,15
